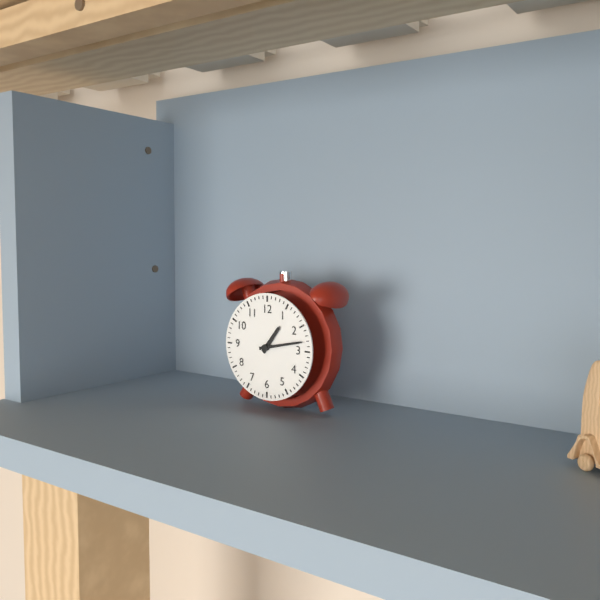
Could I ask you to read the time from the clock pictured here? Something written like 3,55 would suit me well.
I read 1,13
